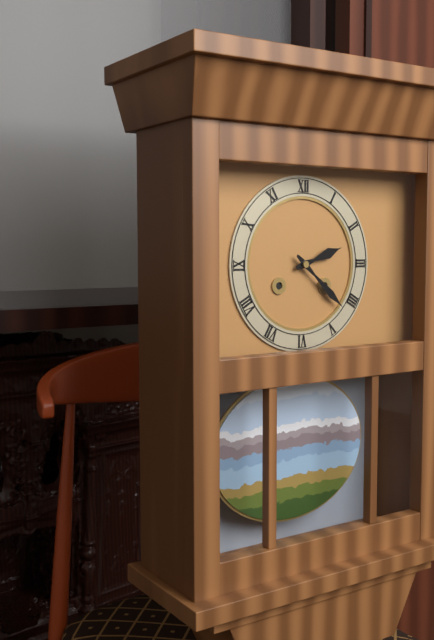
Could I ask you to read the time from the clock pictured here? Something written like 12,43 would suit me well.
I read 2,22
